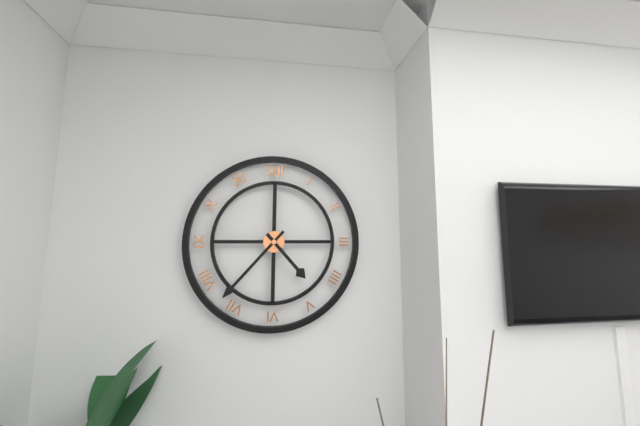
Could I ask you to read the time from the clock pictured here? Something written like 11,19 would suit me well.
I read 4,37
